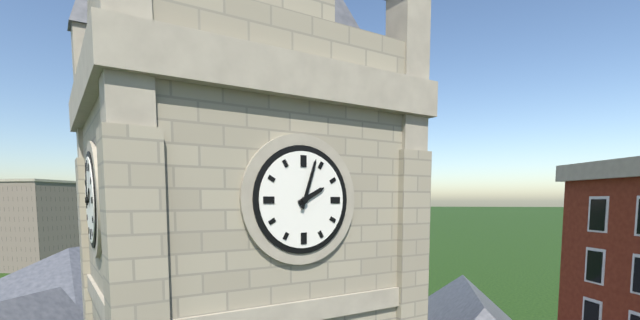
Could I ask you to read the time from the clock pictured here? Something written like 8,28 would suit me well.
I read 2,03
